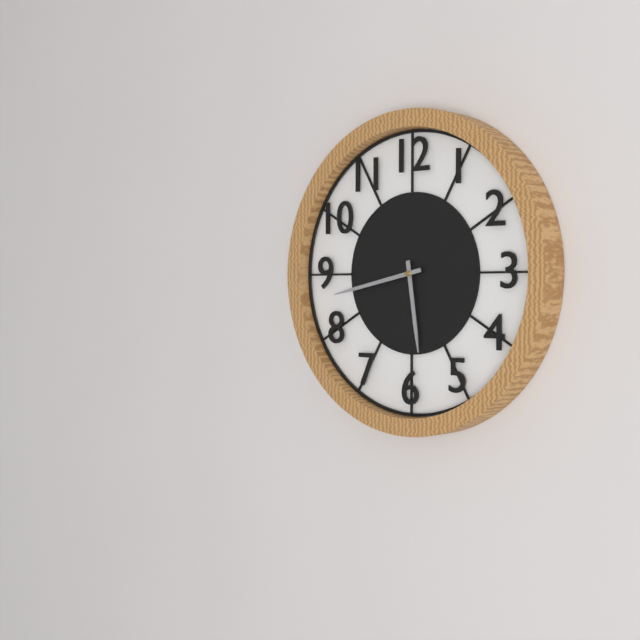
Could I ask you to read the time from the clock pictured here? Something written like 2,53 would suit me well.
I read 5,43
